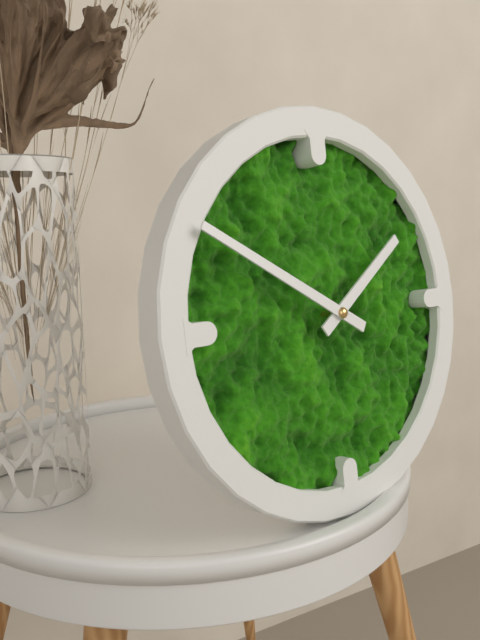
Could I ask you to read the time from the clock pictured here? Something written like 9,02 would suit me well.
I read 1,50
